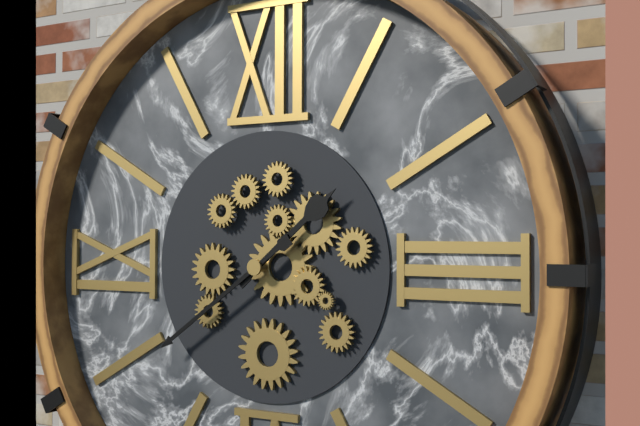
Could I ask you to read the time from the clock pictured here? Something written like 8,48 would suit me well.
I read 1,39
